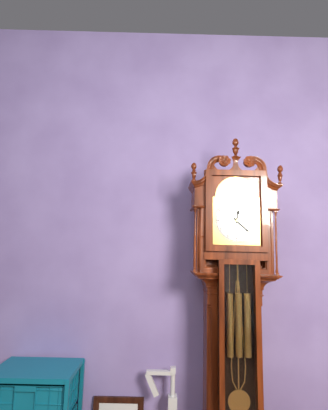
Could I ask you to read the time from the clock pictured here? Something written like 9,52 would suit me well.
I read 12,22
